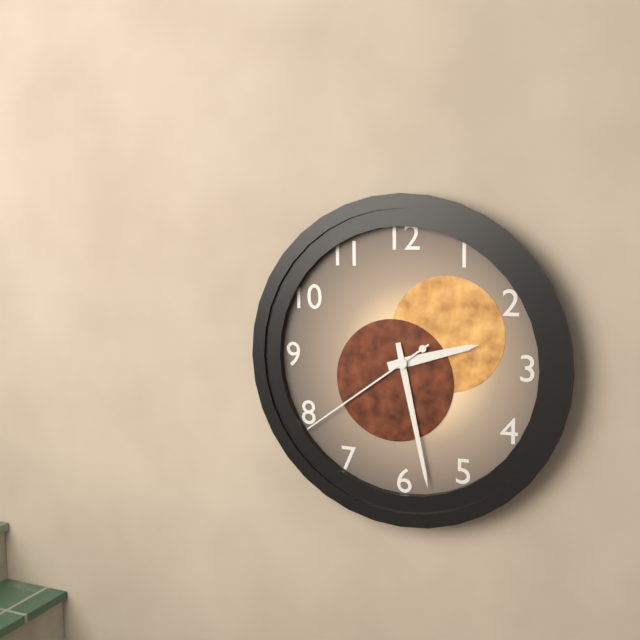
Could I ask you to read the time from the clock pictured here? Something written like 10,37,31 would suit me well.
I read 2,28,39
